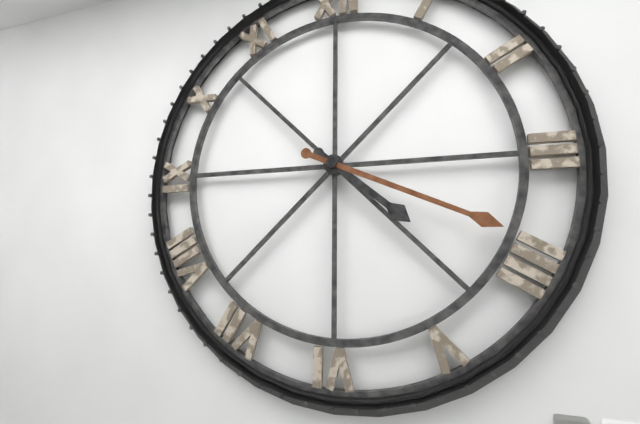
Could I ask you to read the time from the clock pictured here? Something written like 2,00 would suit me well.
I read 4,19
